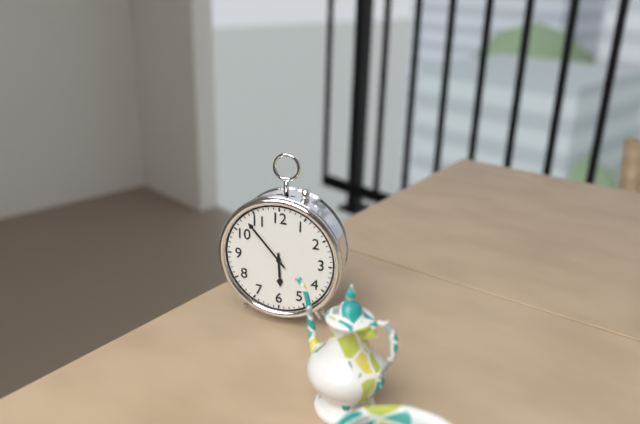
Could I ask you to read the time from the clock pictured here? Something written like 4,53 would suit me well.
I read 5,53
